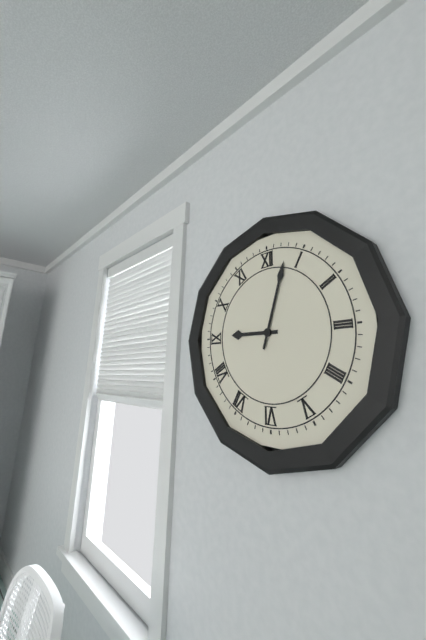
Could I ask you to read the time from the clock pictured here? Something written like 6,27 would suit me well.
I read 9,03
